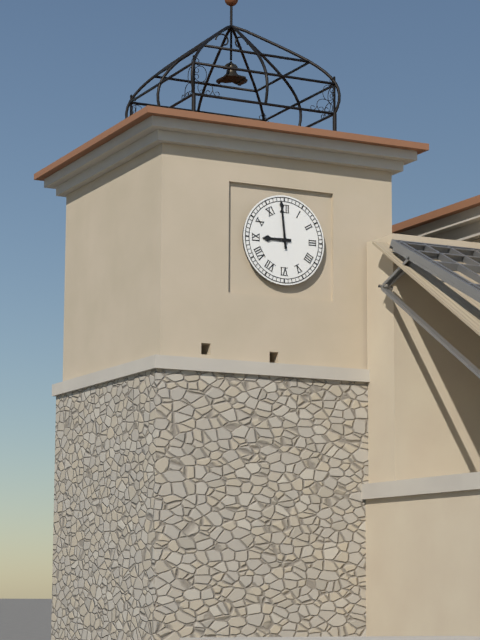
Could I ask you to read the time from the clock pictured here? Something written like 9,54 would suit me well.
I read 8,59
